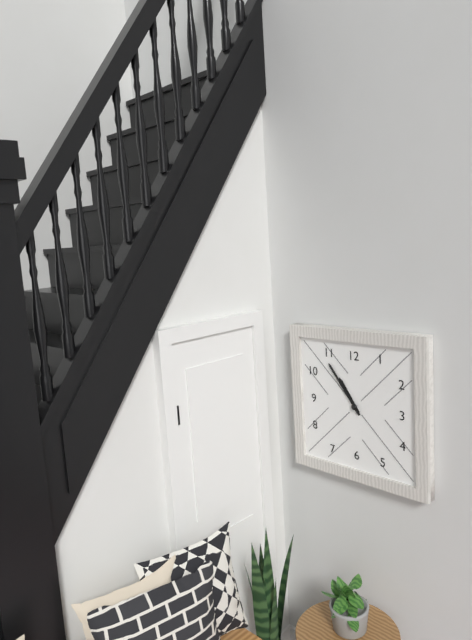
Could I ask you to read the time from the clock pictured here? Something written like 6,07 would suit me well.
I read 10,54
